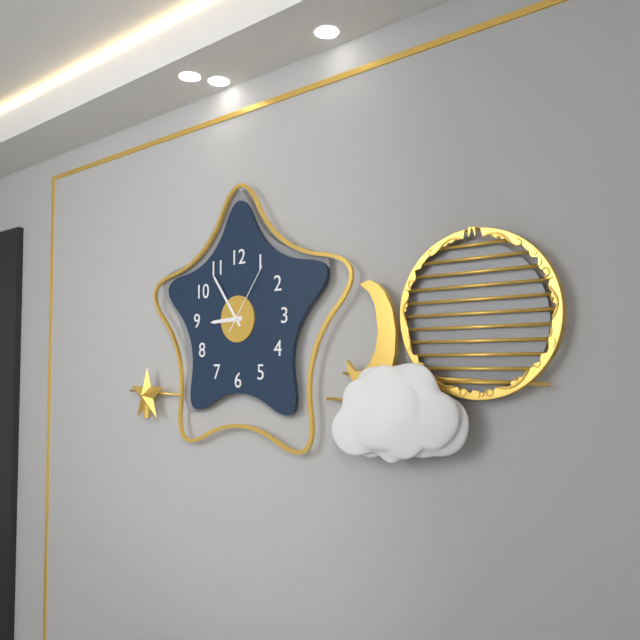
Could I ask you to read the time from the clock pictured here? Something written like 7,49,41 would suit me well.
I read 8,54,06
